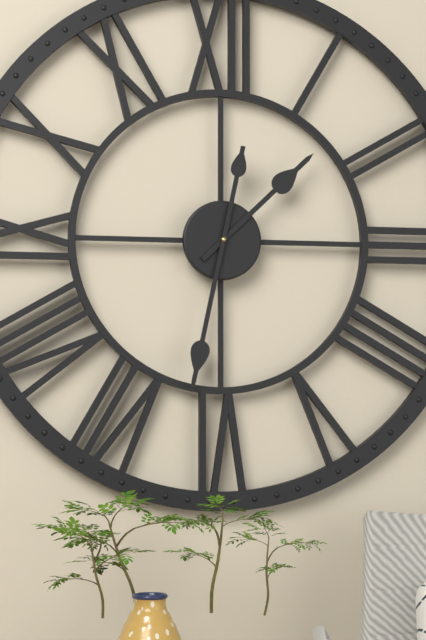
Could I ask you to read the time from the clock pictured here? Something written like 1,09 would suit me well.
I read 1,32
